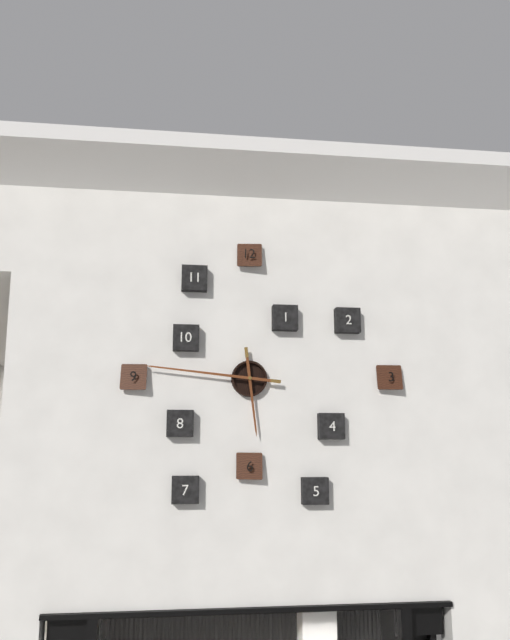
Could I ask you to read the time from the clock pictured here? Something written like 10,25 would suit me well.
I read 5,46
